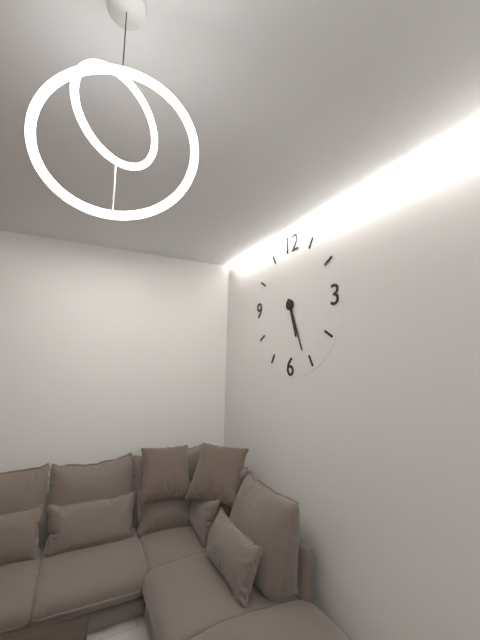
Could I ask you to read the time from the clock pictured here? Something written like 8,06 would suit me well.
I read 5,26
